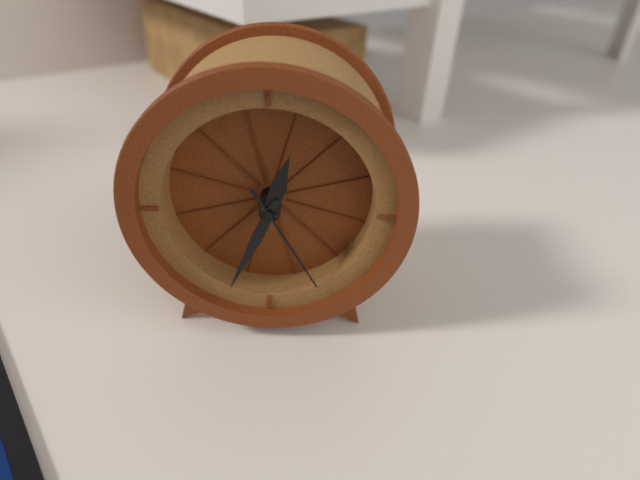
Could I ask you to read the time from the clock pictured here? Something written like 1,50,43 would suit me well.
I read 12,34,25
